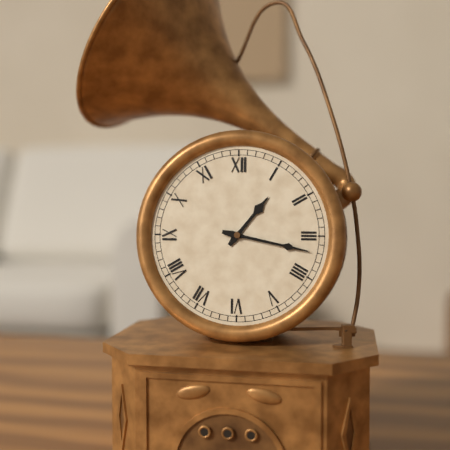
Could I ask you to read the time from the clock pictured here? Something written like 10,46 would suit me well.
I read 1,17
